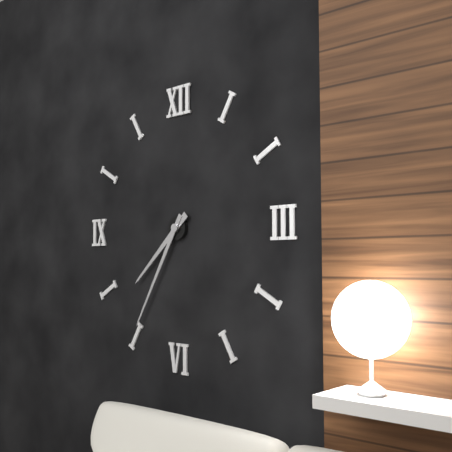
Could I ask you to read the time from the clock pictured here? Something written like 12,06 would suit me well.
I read 7,35
